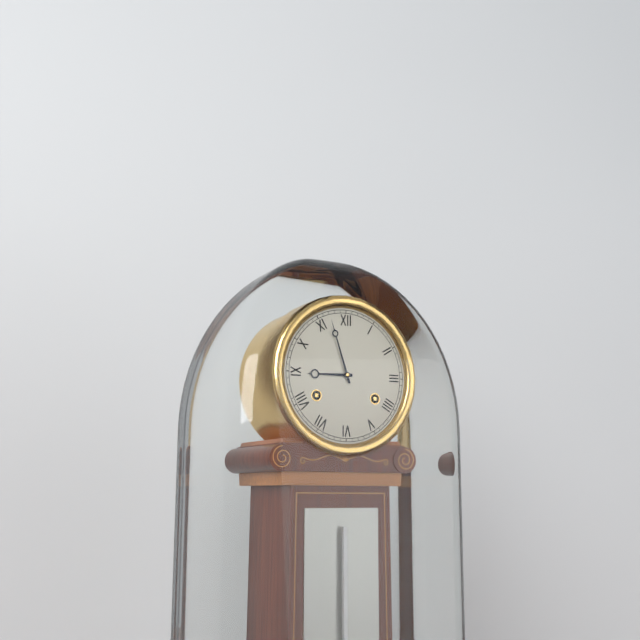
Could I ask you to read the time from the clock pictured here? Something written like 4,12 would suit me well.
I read 8,57
